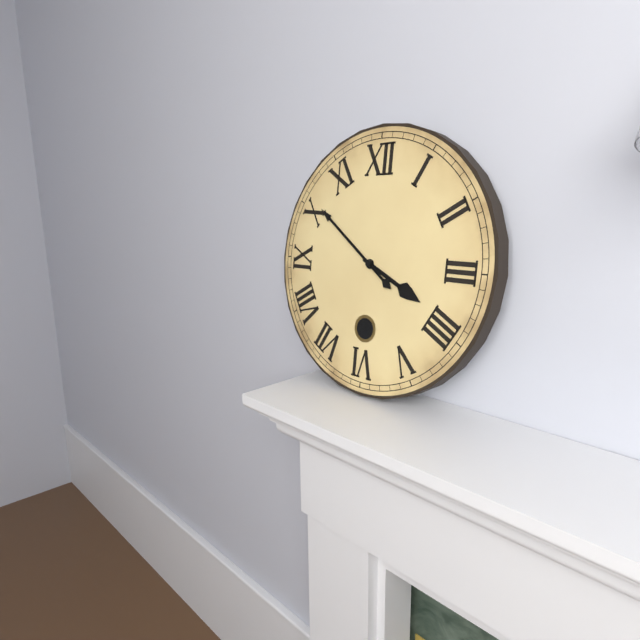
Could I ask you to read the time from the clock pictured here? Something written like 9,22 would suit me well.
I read 3,51
